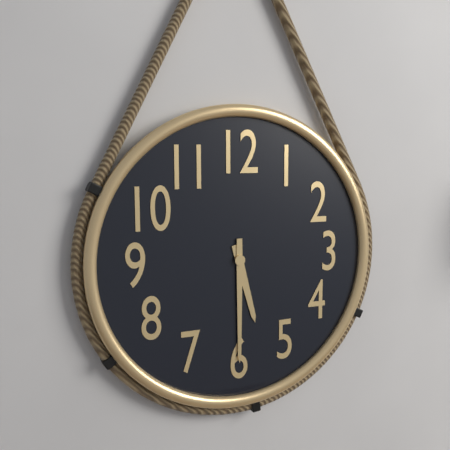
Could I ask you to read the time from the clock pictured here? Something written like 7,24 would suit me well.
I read 5,30
